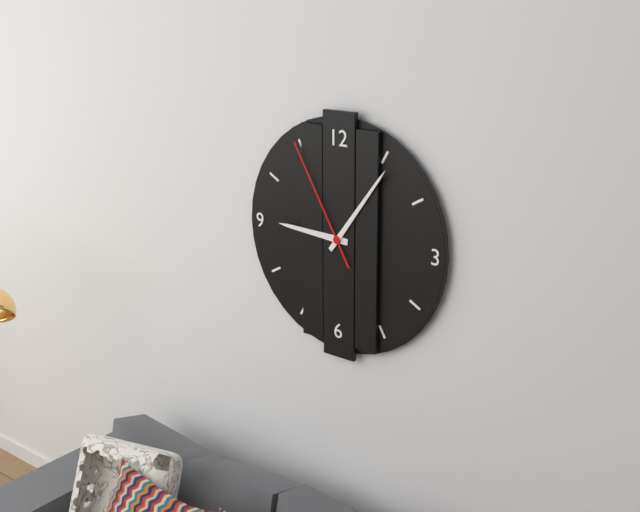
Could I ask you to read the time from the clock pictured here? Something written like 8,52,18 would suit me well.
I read 9,06,55
